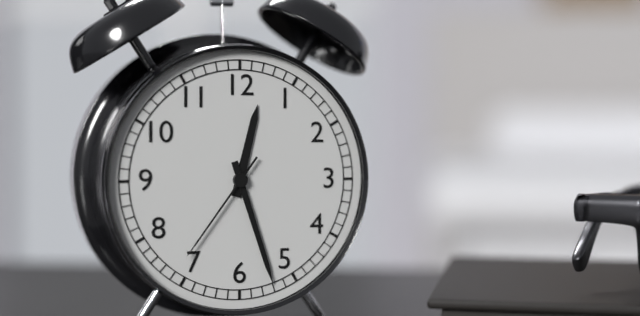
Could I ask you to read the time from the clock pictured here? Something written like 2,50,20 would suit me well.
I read 12,27,36
